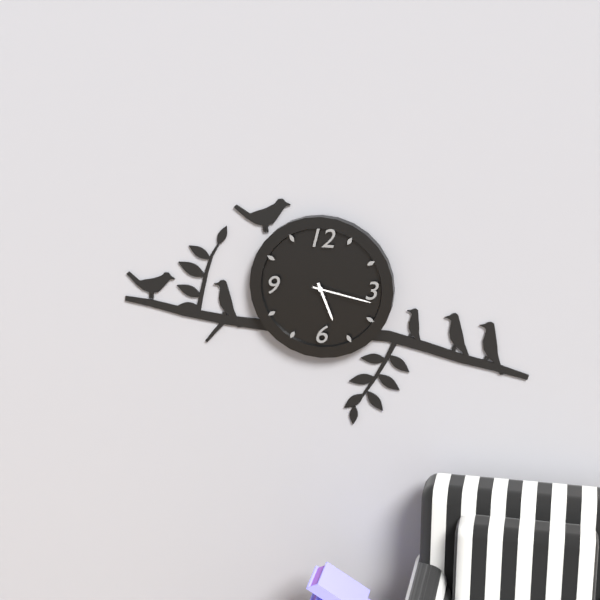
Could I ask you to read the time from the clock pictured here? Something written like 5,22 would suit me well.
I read 5,17
